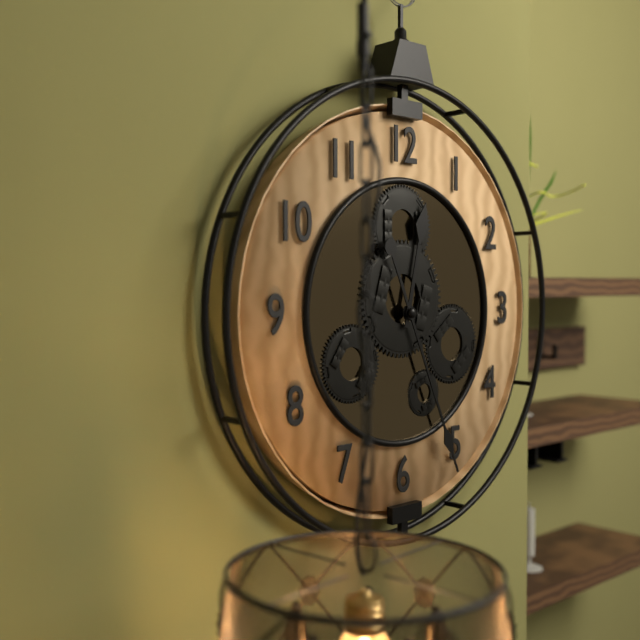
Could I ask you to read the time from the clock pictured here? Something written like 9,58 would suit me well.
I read 12,26
